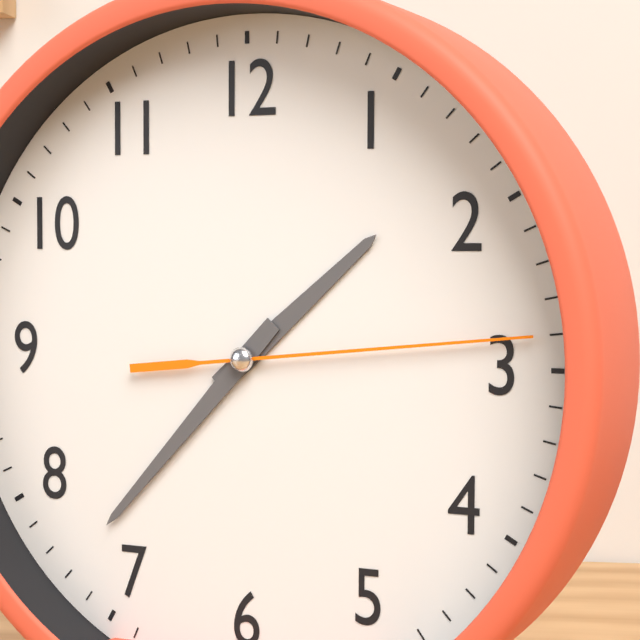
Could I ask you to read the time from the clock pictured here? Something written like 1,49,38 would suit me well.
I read 1,37,14
